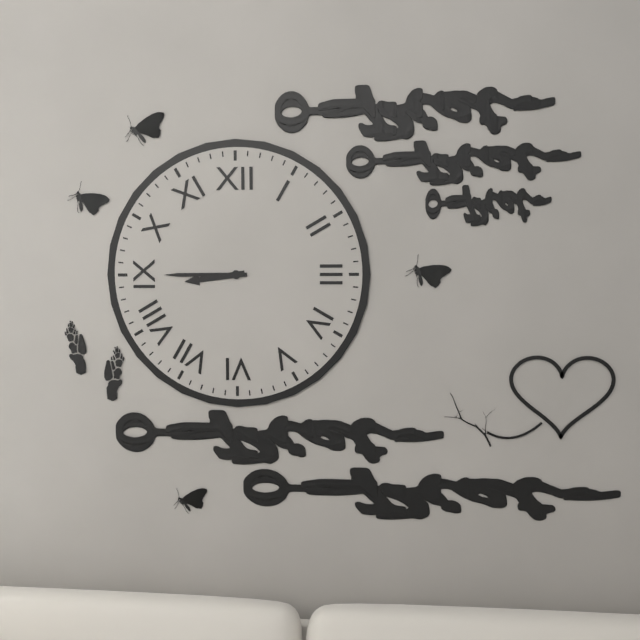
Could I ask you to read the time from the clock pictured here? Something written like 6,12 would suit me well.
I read 8,45
